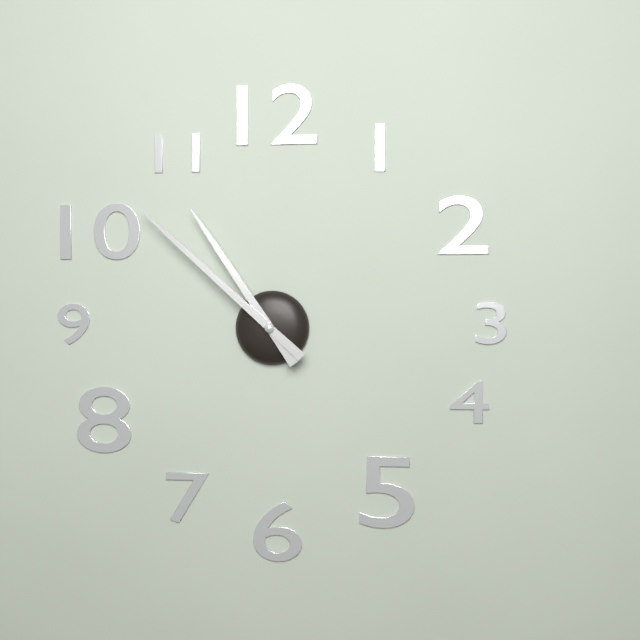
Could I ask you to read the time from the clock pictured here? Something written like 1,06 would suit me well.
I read 10,52
